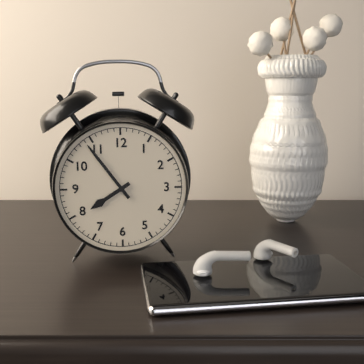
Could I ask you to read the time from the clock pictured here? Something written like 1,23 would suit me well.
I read 7,54
